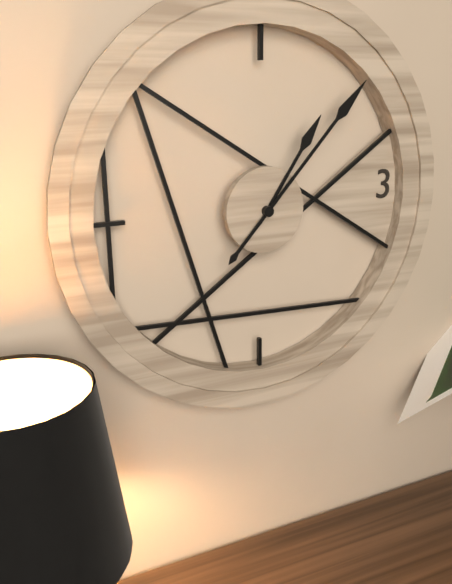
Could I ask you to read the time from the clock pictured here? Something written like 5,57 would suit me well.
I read 1,07
